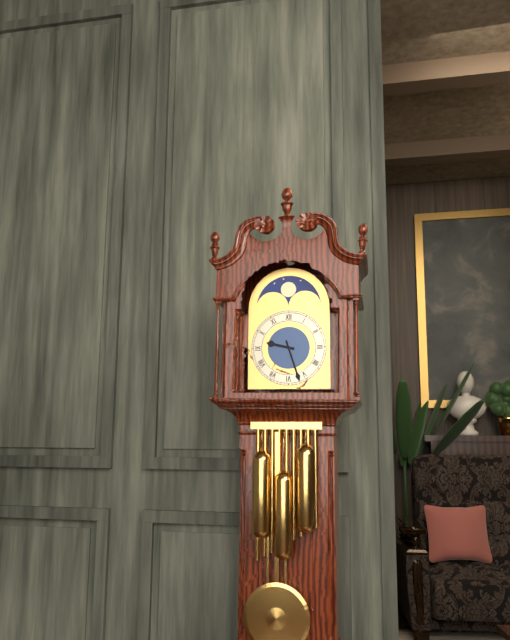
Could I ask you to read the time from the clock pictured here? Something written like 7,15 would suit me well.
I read 9,27
